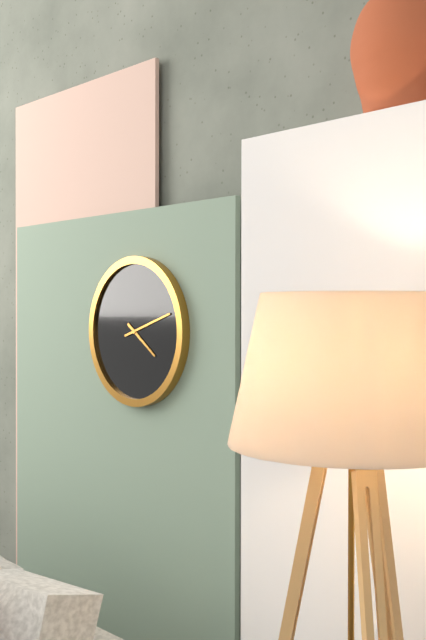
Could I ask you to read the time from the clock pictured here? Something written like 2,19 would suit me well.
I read 4,12
